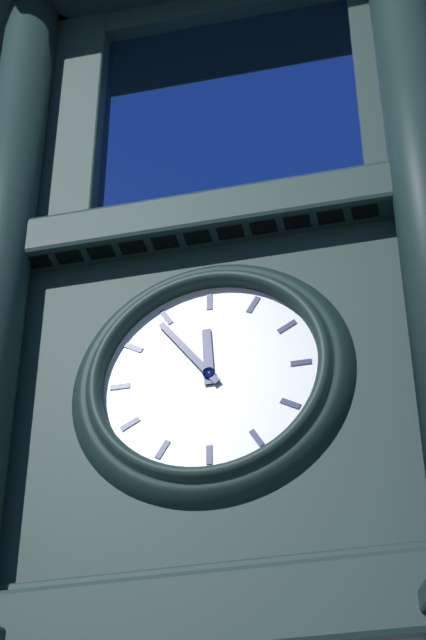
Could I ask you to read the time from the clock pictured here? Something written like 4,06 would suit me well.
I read 11,54
